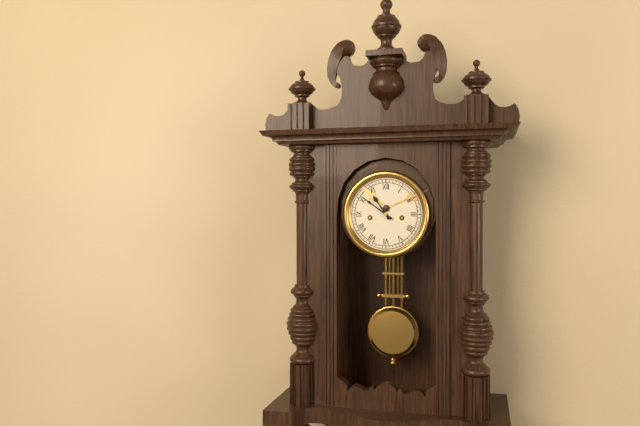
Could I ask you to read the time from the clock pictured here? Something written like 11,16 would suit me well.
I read 10,51
